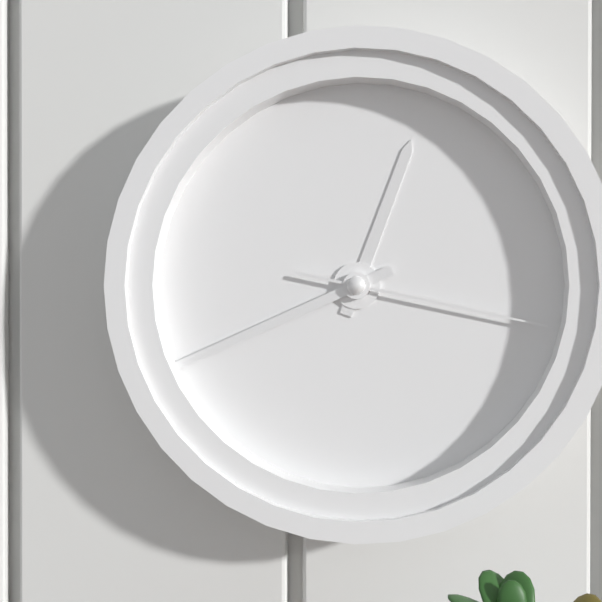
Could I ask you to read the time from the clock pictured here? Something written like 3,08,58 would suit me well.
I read 12,41,17
